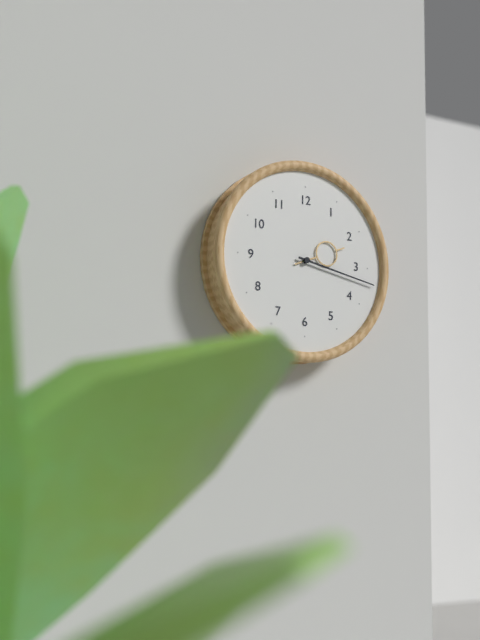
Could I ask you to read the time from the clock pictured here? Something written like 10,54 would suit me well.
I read 2,17
